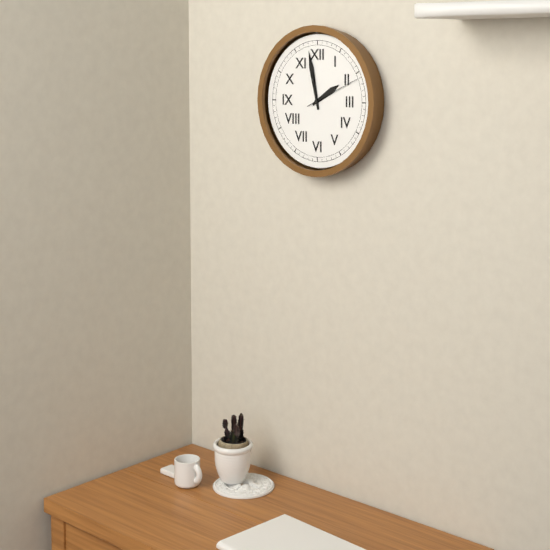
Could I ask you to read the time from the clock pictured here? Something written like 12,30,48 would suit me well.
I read 1,58,11
